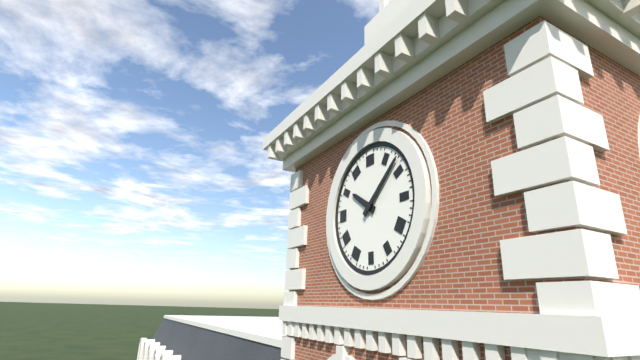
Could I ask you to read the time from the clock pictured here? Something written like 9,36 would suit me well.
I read 10,08
